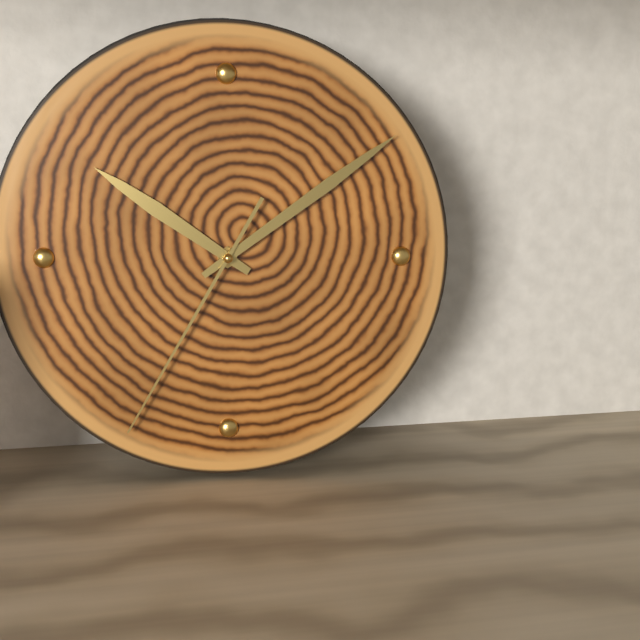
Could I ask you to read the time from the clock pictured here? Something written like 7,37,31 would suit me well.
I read 10,09,35
